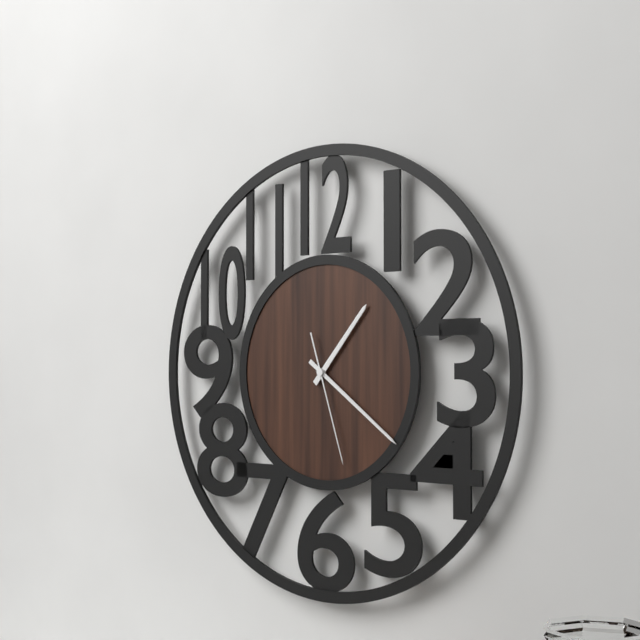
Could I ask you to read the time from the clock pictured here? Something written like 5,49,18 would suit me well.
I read 1,21,27
